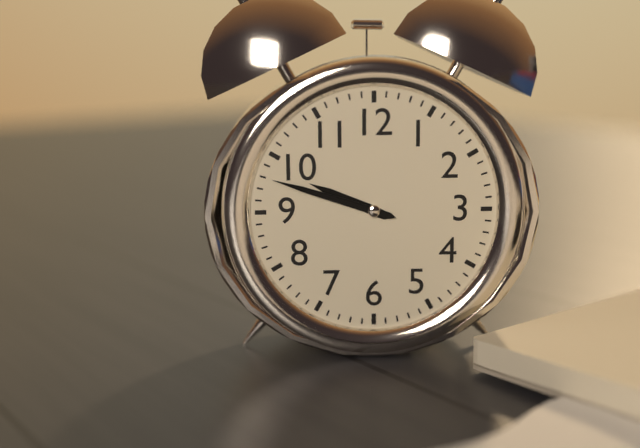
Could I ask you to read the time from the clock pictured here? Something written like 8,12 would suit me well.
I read 9,48
